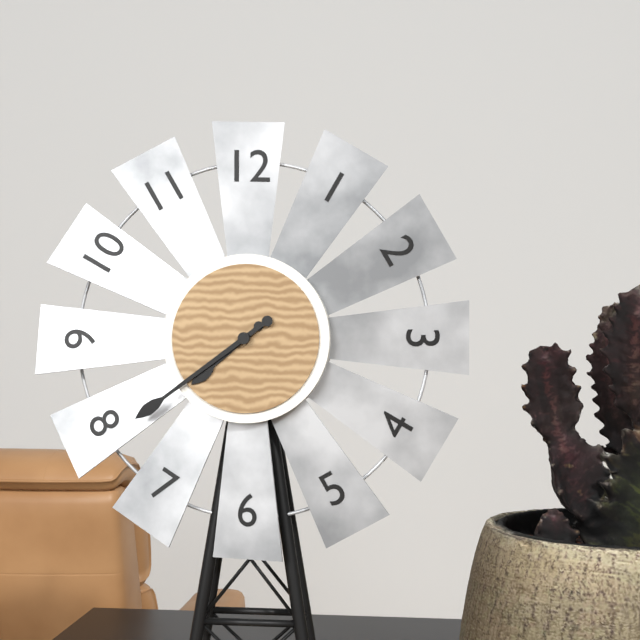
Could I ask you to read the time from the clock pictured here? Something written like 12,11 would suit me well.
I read 7,39
